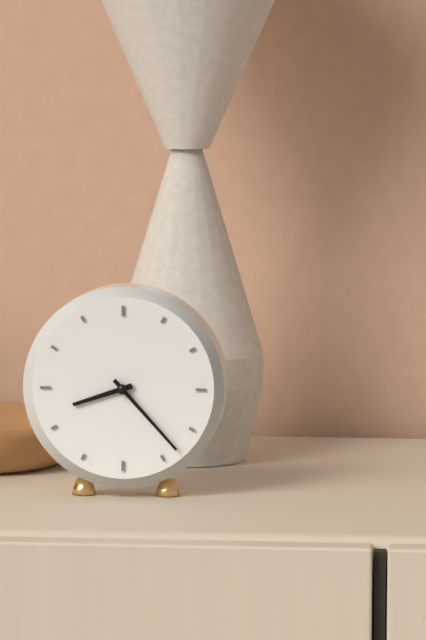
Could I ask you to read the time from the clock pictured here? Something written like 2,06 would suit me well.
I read 8,23
